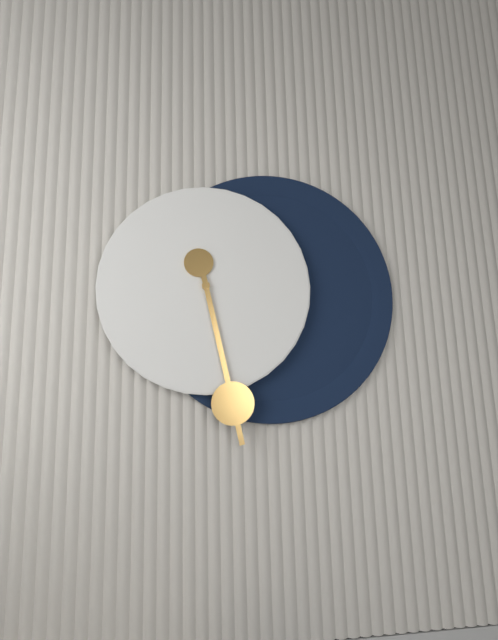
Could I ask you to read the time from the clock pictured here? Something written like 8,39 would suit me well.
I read 11,28
